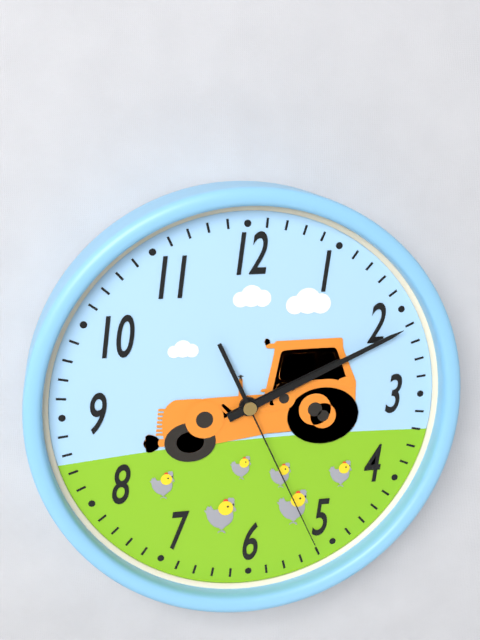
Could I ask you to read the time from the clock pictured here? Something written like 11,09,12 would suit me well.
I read 2,11,26
